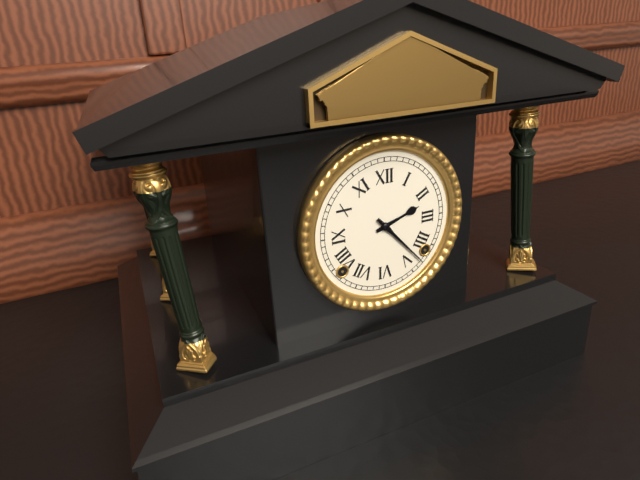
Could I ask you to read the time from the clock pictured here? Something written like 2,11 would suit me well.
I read 2,23
